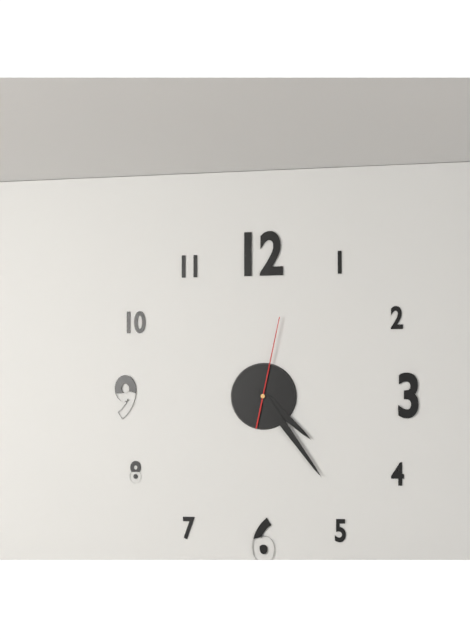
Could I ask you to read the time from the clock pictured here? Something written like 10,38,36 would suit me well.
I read 4,24,02
